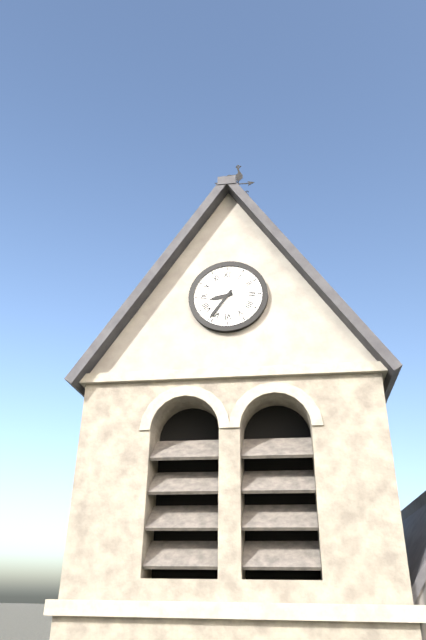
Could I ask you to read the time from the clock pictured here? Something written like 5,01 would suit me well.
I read 8,36
